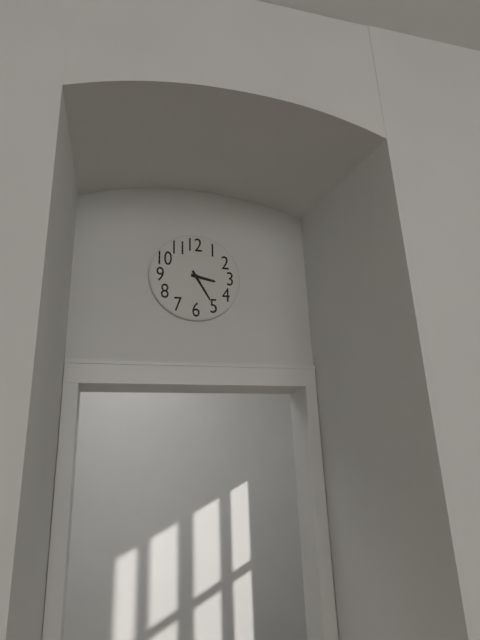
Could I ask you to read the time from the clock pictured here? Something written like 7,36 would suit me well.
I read 3,25
